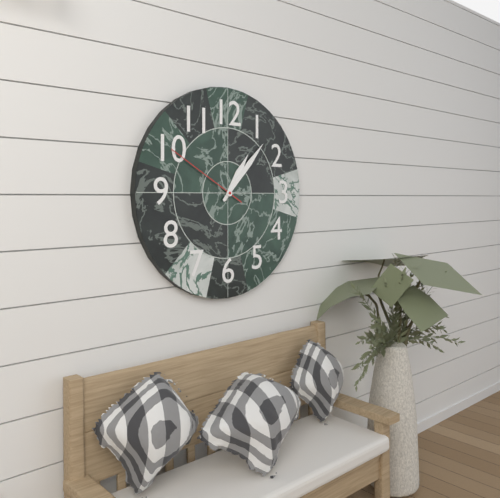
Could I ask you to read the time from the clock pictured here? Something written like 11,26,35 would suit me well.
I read 1,07,50
